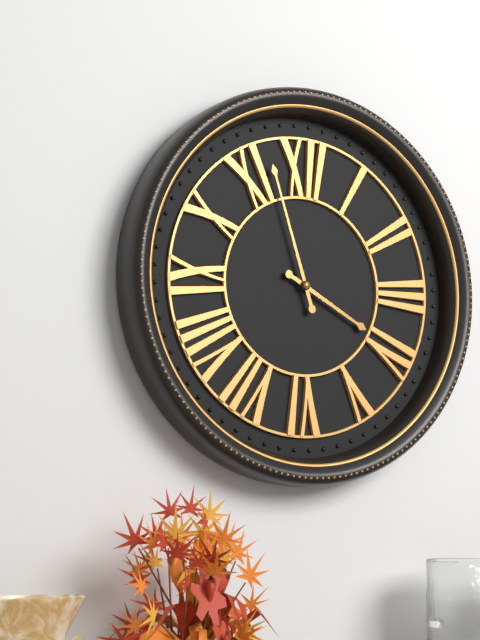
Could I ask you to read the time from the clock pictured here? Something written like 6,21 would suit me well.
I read 3,57
